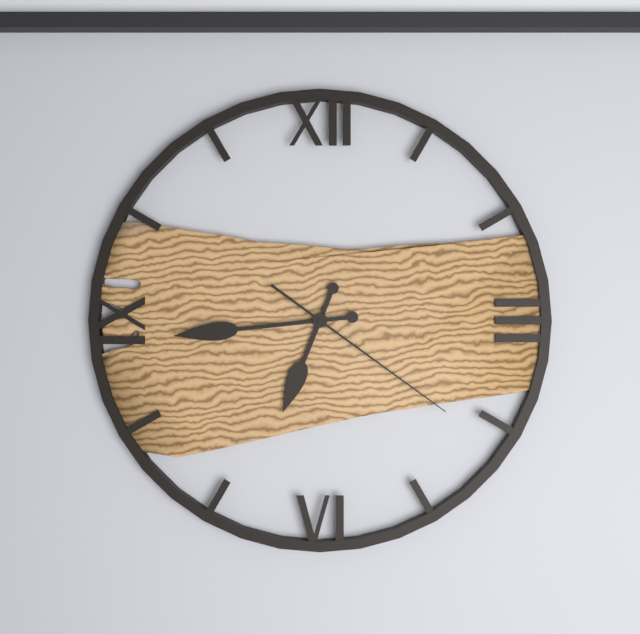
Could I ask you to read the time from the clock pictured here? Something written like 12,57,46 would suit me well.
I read 6,44,21
